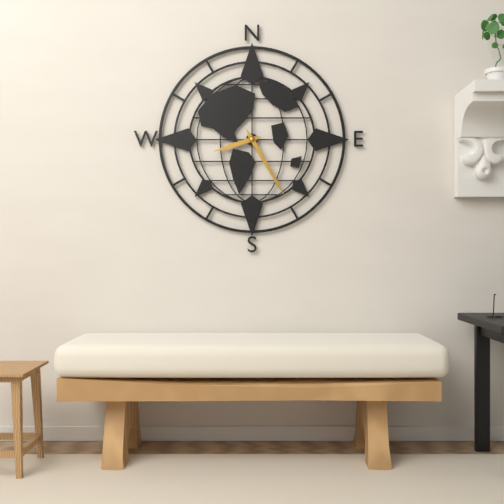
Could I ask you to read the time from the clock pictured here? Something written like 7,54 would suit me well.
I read 8,25
